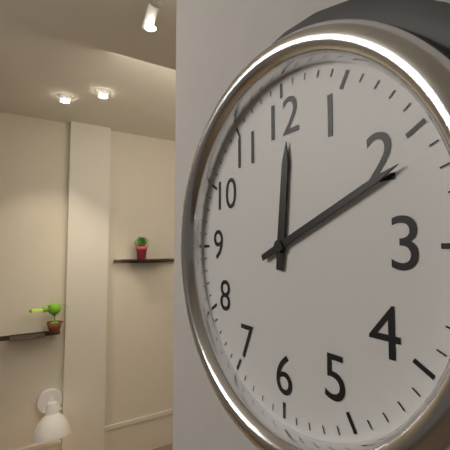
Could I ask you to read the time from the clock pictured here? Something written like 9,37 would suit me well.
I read 12,11
